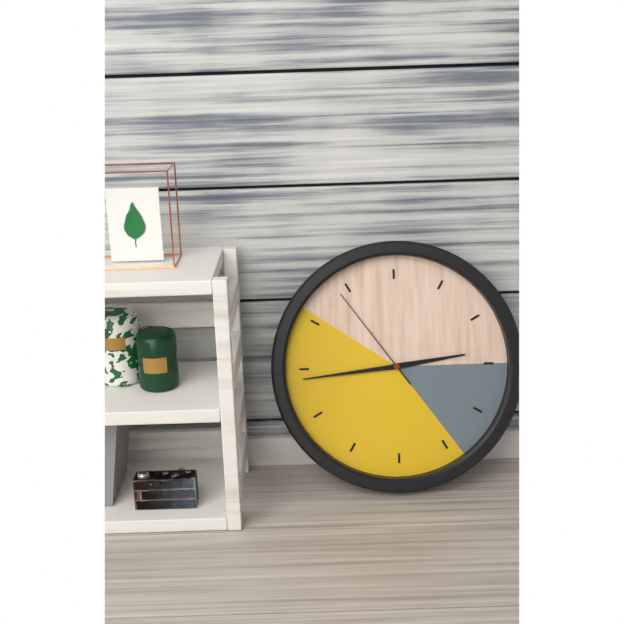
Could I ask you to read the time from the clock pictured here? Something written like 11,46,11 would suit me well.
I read 2,44,54
